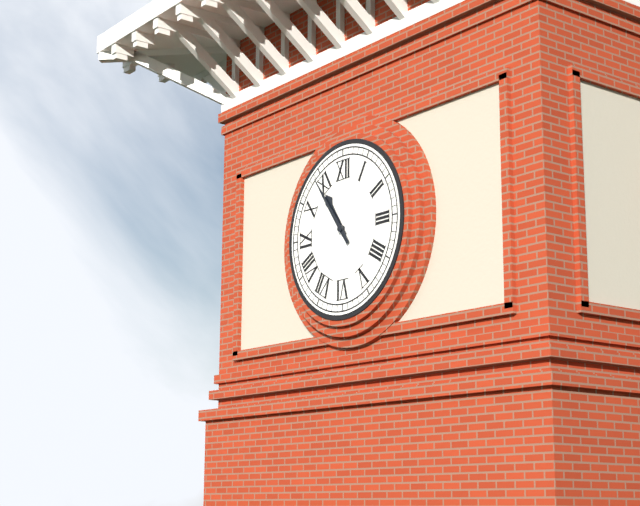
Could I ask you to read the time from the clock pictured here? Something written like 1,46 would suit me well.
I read 10,54
